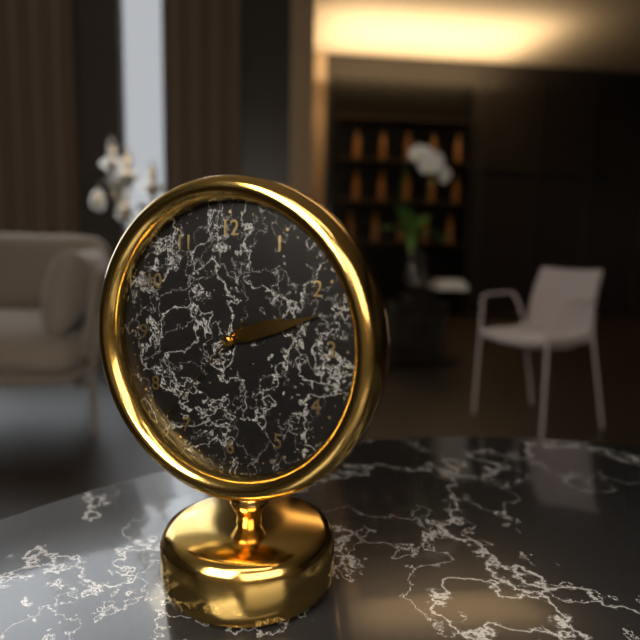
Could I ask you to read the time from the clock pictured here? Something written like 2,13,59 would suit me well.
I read 2,12,37
